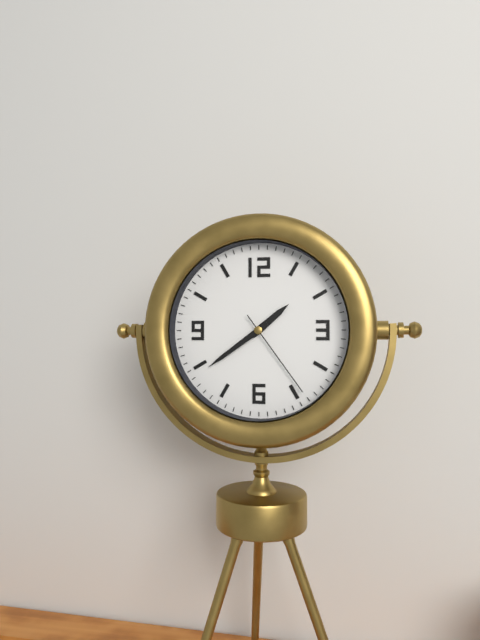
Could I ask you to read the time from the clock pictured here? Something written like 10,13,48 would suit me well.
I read 1,39,24
